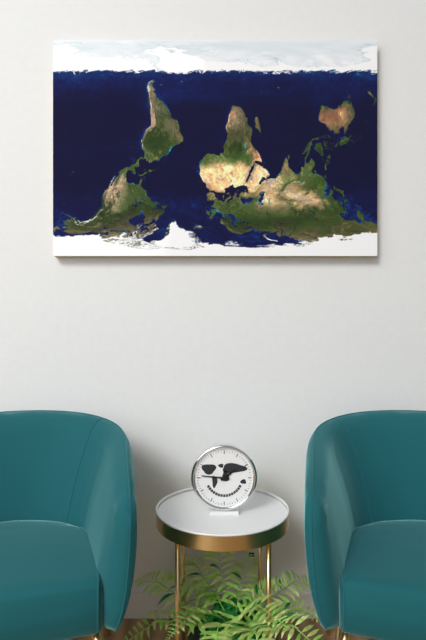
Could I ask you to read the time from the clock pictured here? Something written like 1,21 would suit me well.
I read 1,46
